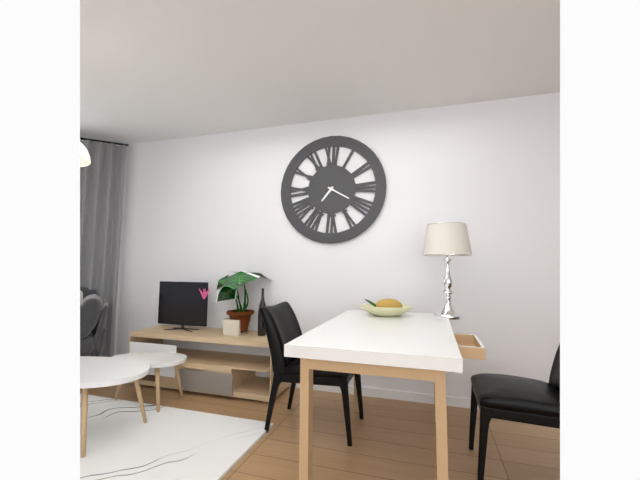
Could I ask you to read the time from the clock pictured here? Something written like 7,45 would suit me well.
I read 7,20
